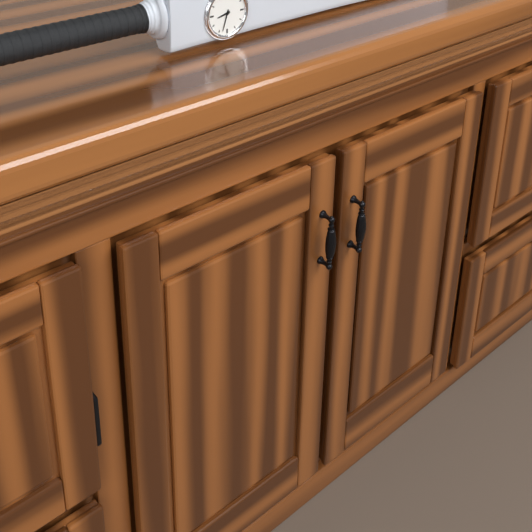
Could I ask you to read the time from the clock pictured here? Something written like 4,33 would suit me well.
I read 8,33
